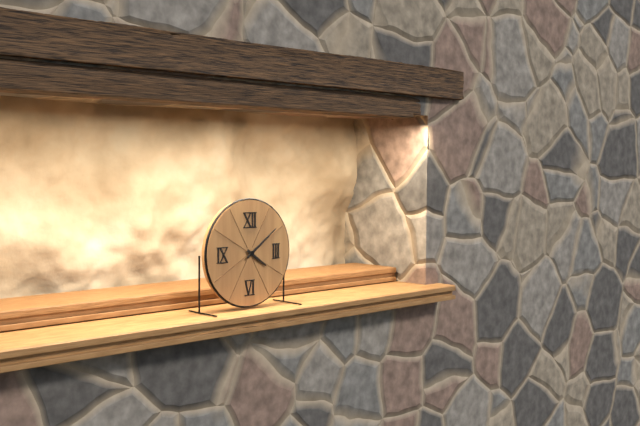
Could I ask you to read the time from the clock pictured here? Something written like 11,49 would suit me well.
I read 4,09
